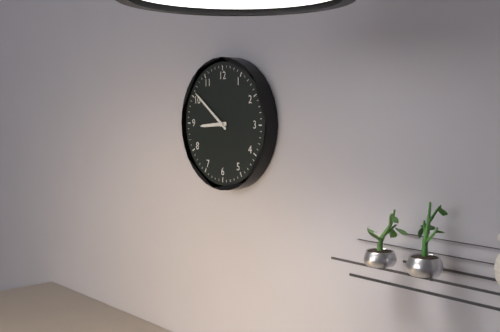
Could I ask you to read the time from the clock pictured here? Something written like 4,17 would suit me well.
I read 8,51
